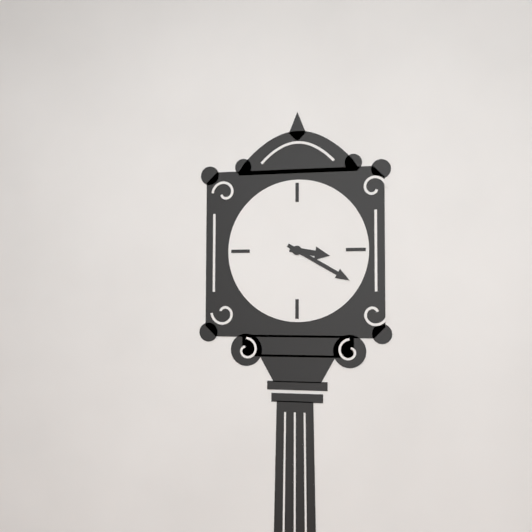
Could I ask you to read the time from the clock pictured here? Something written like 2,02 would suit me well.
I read 3,20
